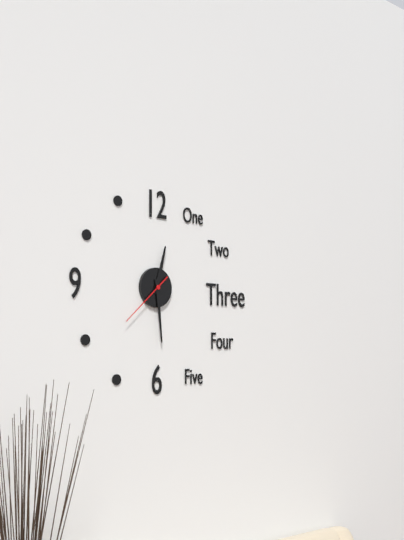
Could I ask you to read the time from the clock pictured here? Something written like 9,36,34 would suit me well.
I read 12,29,38
